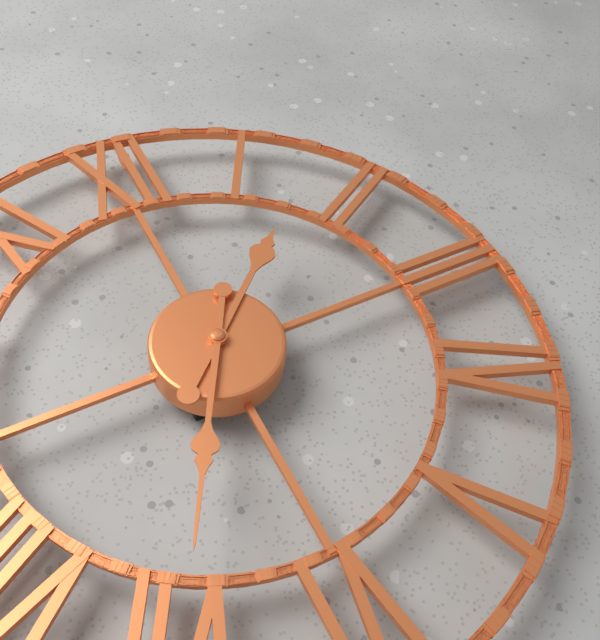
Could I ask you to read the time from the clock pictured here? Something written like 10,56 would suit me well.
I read 1,35
